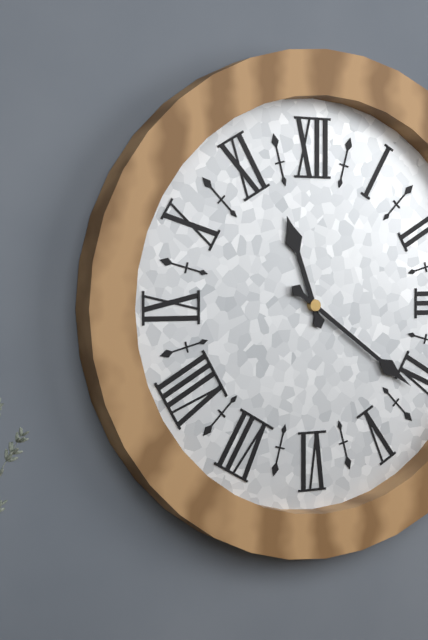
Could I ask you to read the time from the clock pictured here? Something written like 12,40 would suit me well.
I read 11,21
